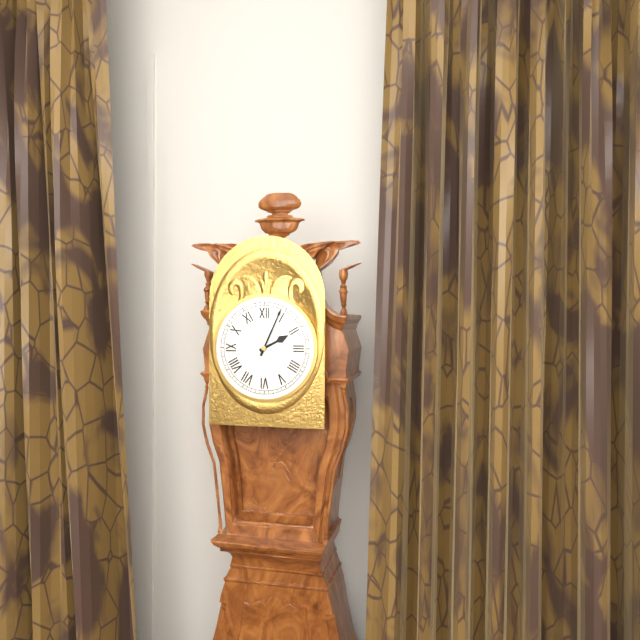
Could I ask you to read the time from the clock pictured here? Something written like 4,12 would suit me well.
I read 2,04
